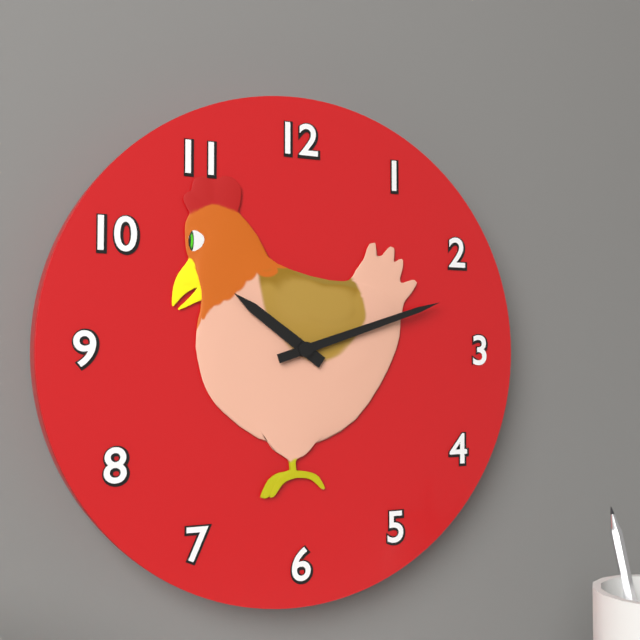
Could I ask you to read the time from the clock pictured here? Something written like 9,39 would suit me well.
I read 10,12
